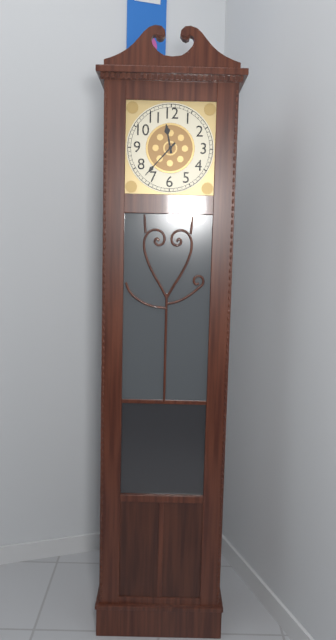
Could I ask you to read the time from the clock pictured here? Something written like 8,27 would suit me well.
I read 11,37
